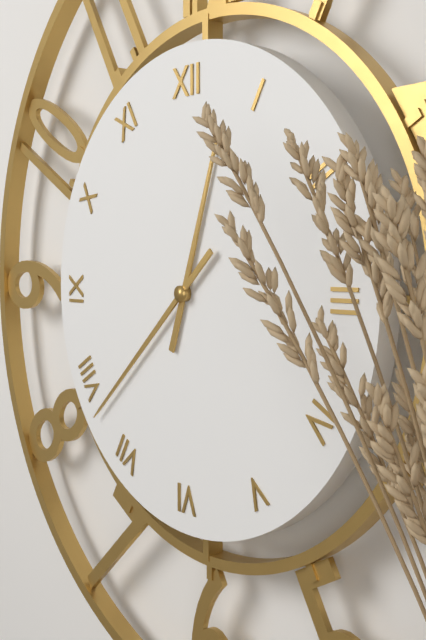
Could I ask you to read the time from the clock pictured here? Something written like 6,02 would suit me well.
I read 12,38
